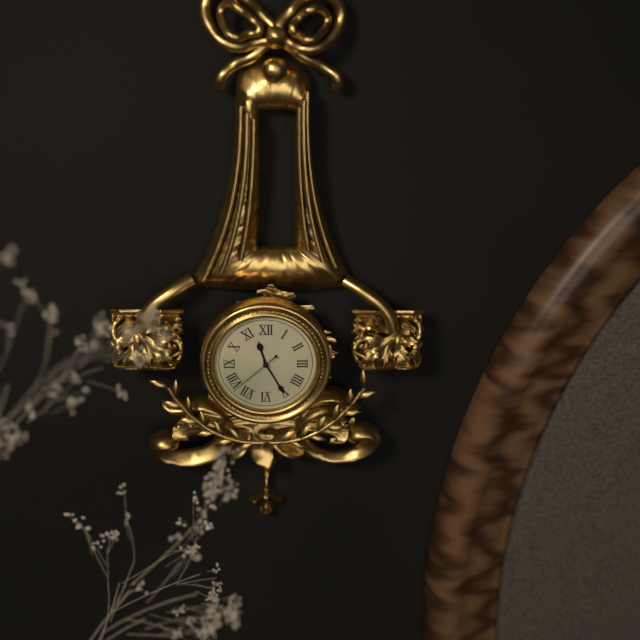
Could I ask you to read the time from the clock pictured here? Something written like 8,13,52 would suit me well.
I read 11,25,38
